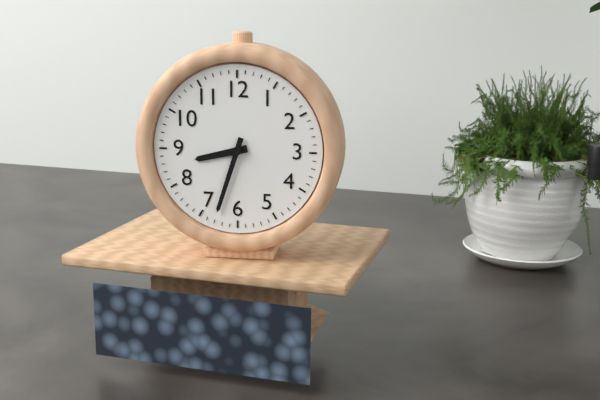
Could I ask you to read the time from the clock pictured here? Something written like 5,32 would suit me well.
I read 8,33
